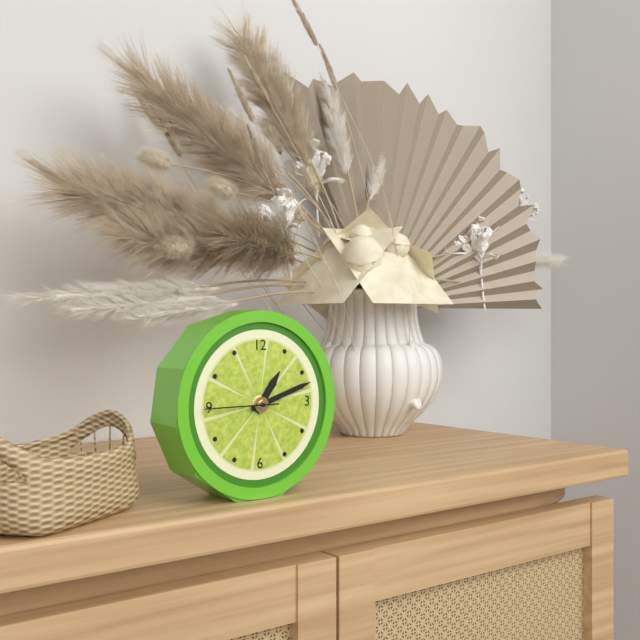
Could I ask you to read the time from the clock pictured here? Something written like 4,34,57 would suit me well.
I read 1,12,45
